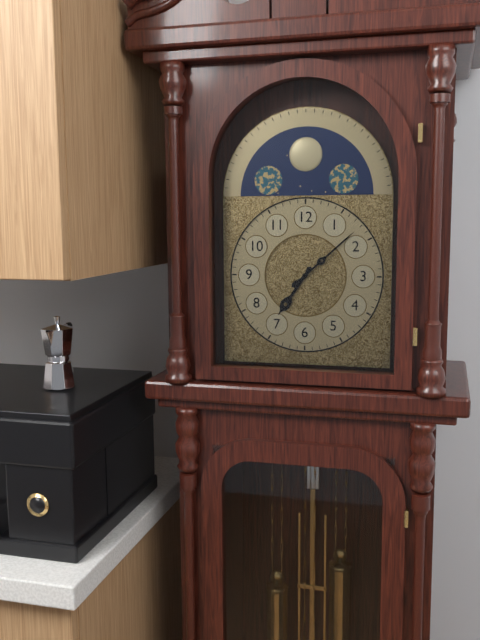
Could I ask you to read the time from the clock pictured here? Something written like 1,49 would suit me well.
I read 7,08
